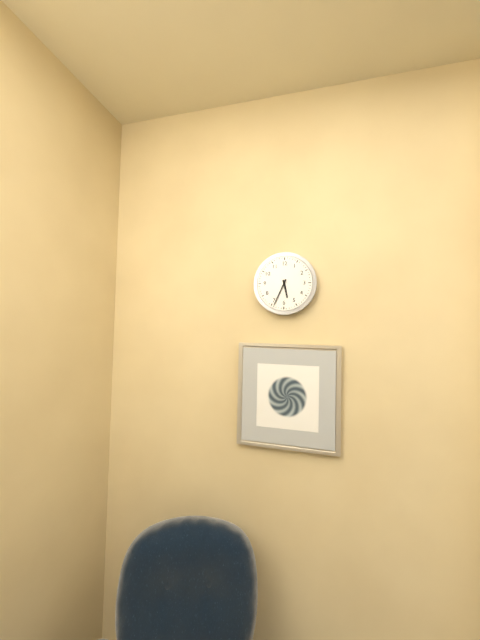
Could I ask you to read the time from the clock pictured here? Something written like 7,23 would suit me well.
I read 5,34
